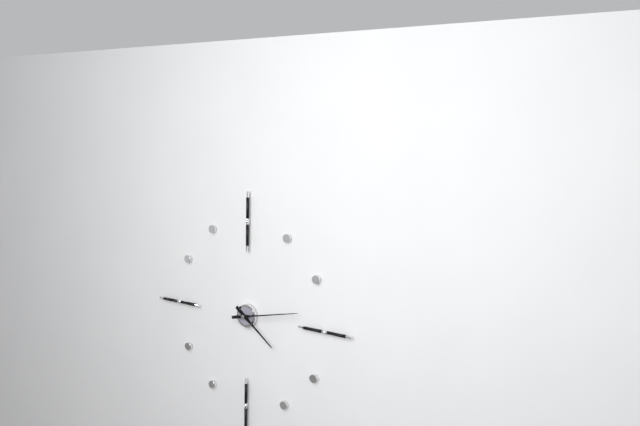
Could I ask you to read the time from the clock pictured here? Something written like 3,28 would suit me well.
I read 4,13
